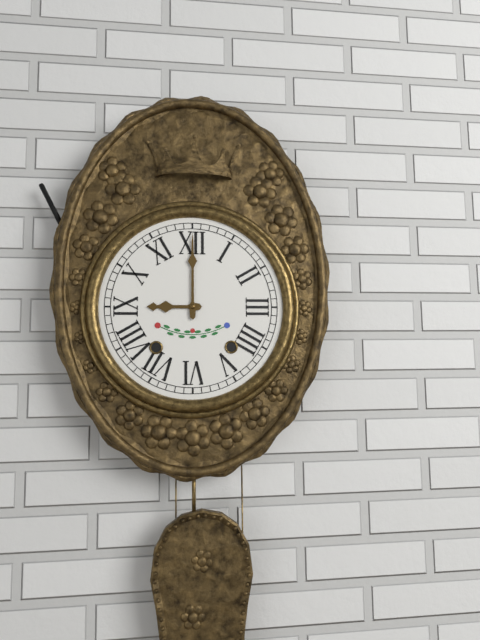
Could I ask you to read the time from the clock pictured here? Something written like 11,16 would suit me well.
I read 9,00
